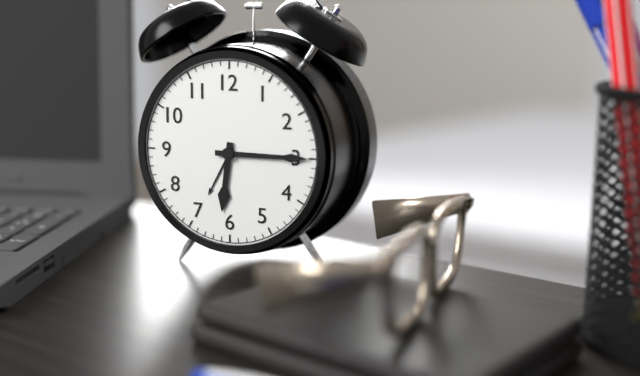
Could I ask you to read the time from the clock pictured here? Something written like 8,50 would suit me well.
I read 6,15
